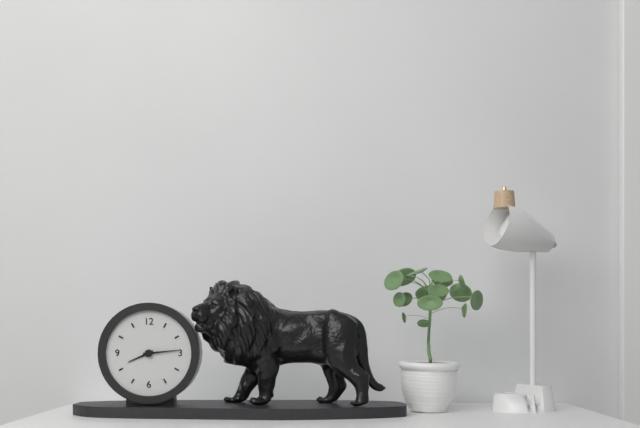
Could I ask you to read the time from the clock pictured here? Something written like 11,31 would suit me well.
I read 8,14
